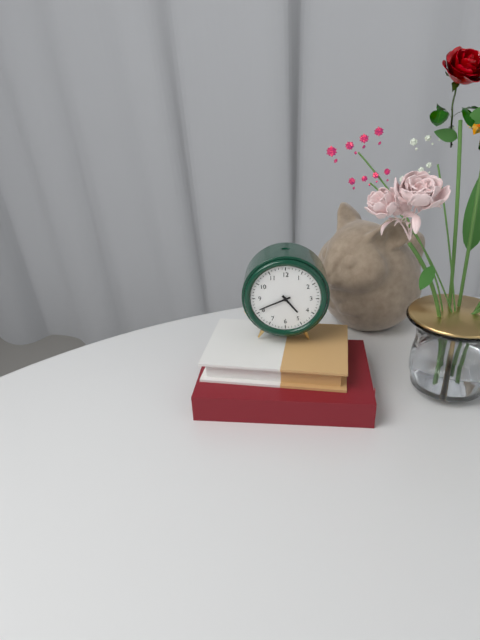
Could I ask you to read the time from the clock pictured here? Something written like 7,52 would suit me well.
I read 4,41
